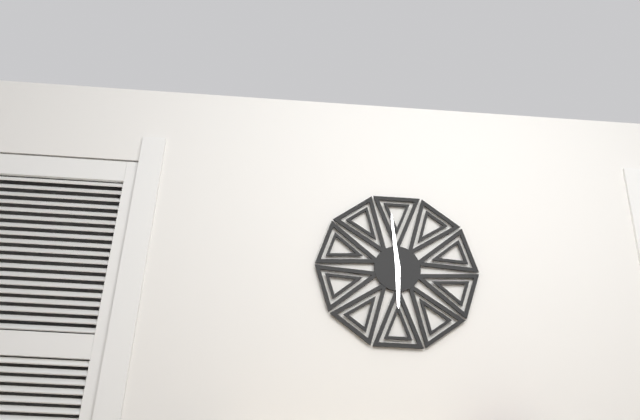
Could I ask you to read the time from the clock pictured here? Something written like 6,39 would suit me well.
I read 5,59
